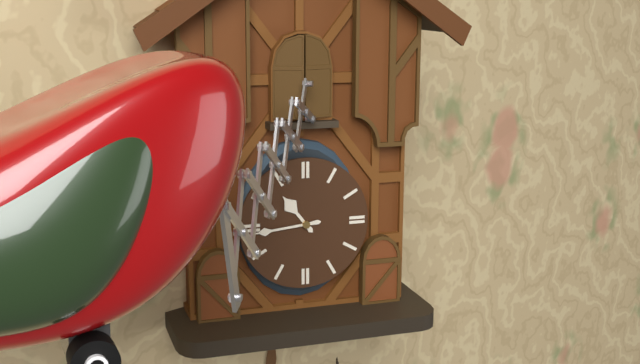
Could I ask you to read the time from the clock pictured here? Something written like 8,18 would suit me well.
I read 10,44
